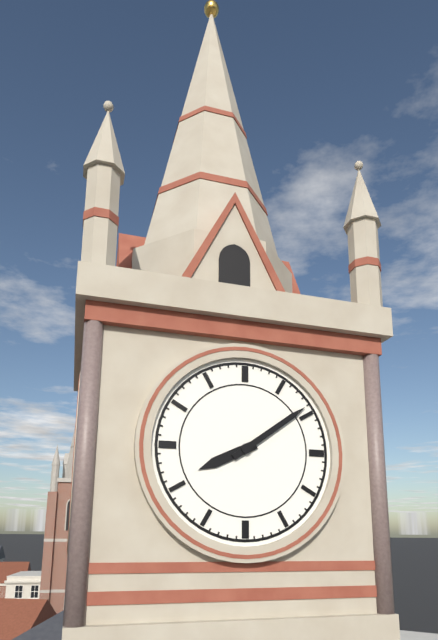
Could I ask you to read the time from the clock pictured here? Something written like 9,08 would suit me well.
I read 8,09
